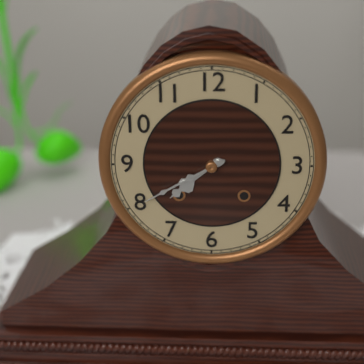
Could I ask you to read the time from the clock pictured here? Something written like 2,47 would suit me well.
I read 7,40
